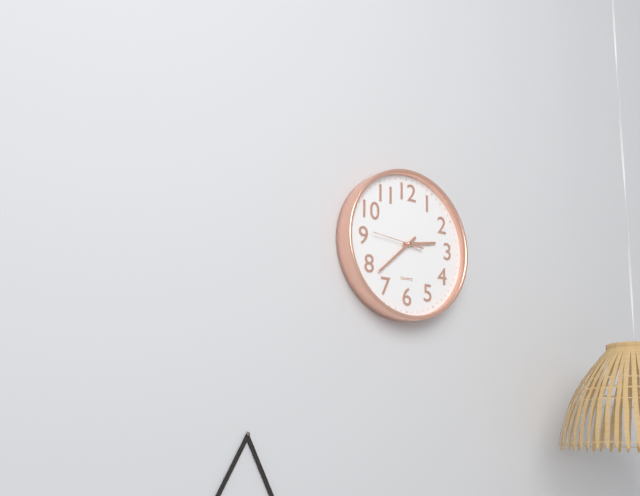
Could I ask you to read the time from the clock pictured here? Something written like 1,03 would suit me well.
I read 2,38
